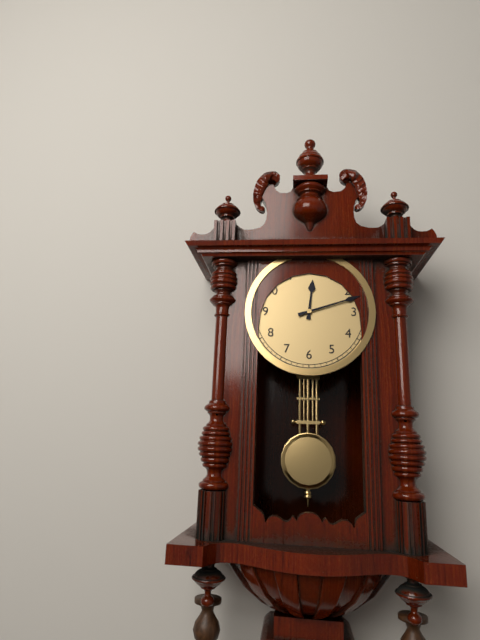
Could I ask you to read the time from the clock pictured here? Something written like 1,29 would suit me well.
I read 12,12
